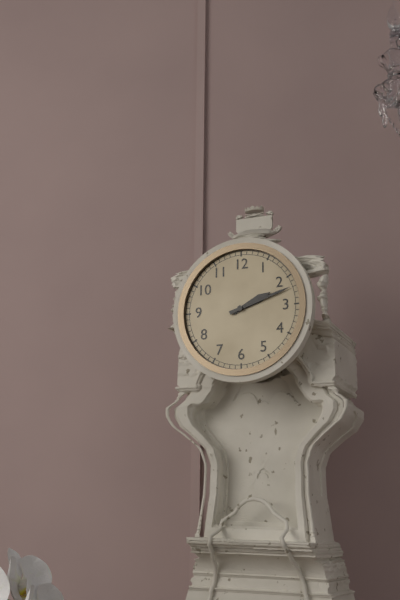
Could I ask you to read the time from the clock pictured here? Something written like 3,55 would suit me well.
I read 2,12
